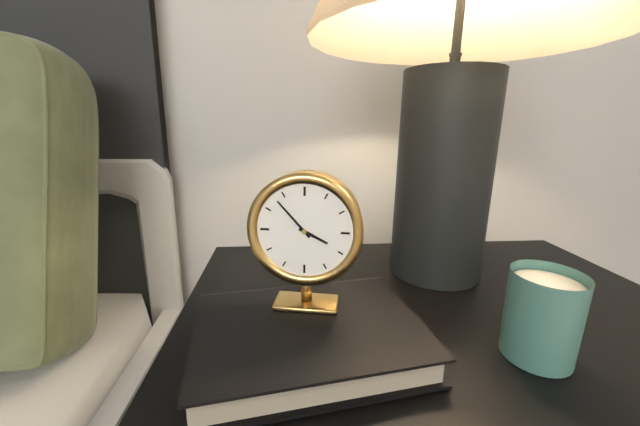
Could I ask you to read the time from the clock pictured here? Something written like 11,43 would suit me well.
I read 3,53
